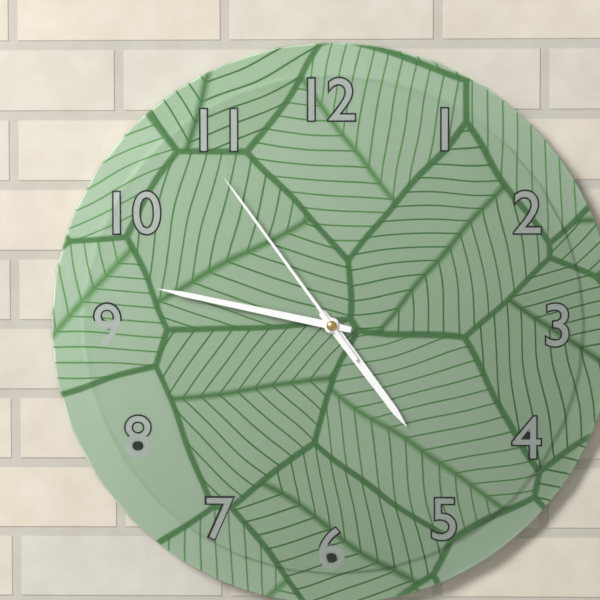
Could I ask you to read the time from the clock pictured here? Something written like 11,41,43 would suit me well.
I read 4,47,54
